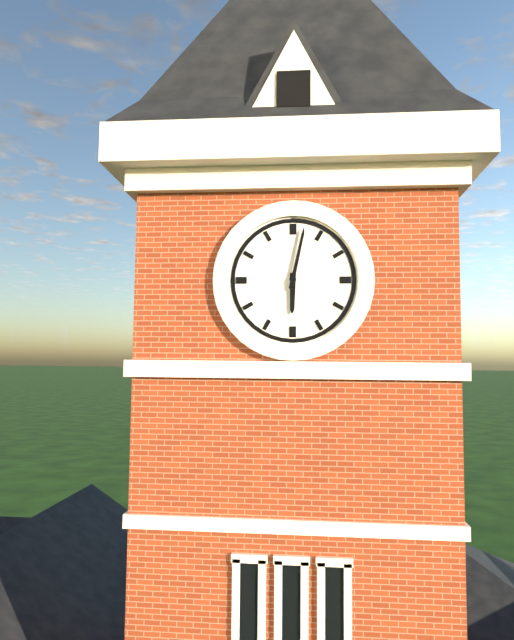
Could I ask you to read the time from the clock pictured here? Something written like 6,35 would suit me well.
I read 6,02
